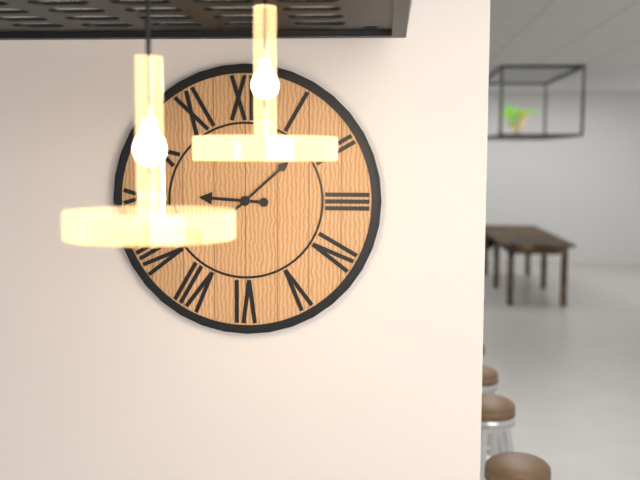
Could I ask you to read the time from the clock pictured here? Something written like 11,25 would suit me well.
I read 9,08
